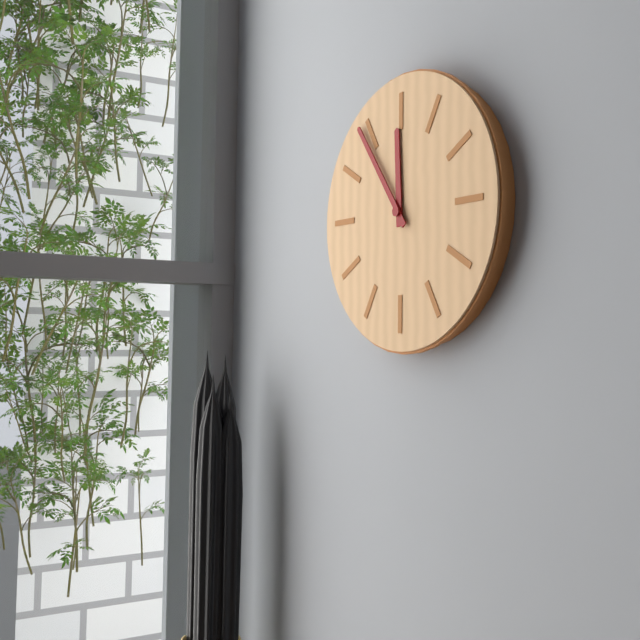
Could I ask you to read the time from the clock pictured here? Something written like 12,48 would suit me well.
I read 11,54
